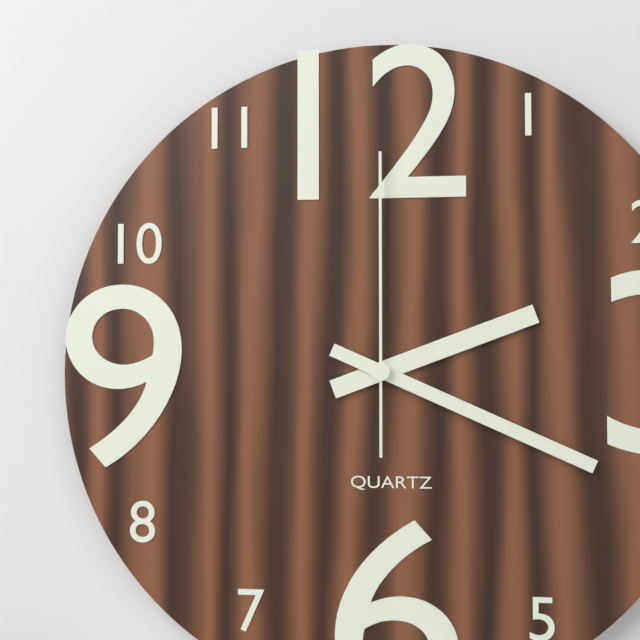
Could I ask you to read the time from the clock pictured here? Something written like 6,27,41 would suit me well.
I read 2,19,00
